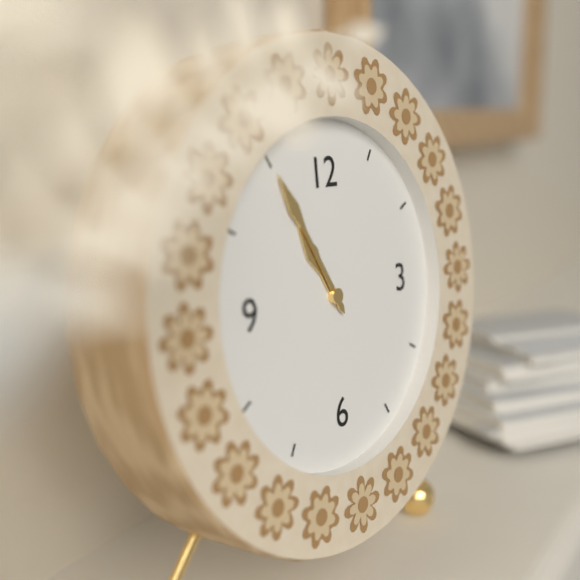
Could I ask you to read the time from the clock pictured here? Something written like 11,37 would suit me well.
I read 10,55
